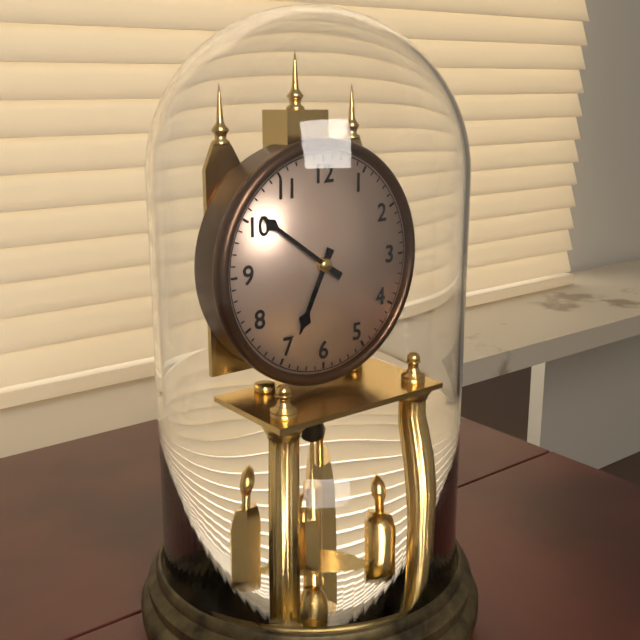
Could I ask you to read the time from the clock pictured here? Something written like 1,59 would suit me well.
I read 6,51
